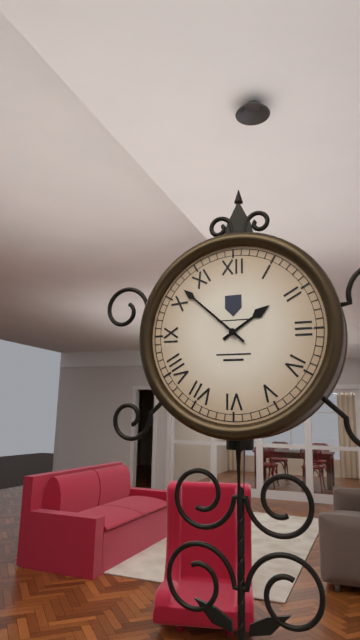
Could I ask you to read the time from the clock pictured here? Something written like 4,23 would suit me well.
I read 1,52
